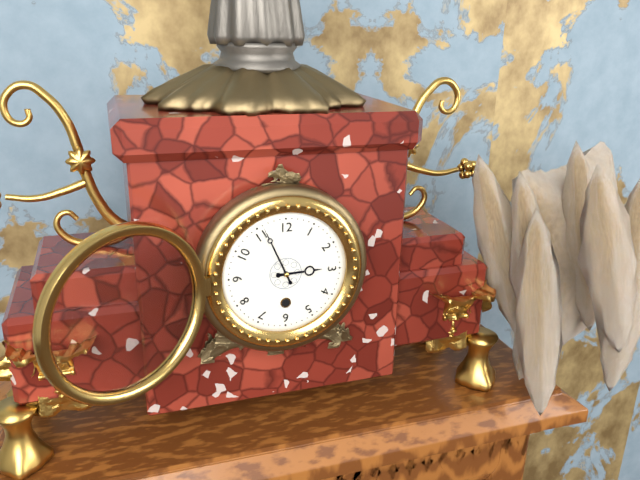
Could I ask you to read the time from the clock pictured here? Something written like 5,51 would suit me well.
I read 2,56
